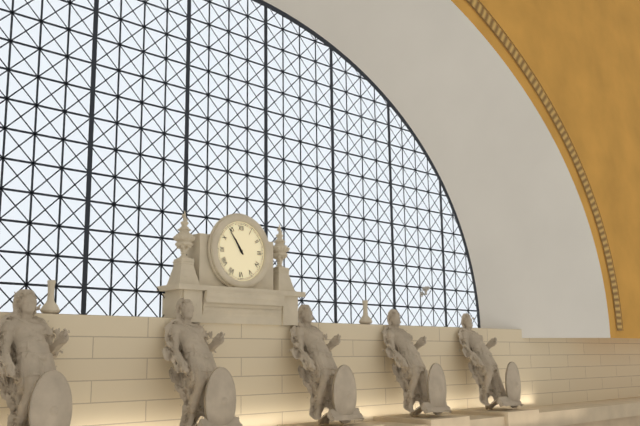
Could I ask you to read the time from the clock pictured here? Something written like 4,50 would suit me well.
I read 10,54
